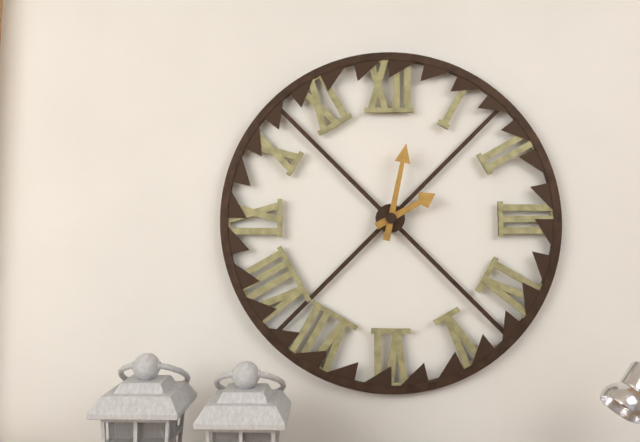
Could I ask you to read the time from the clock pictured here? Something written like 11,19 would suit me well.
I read 2,02
